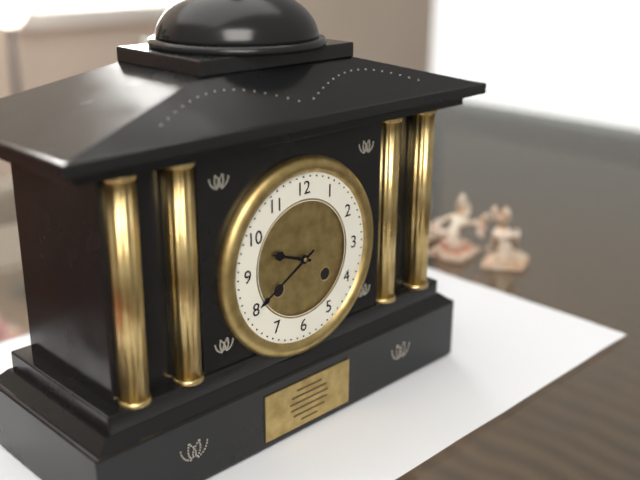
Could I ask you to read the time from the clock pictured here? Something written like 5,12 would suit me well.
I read 9,40
